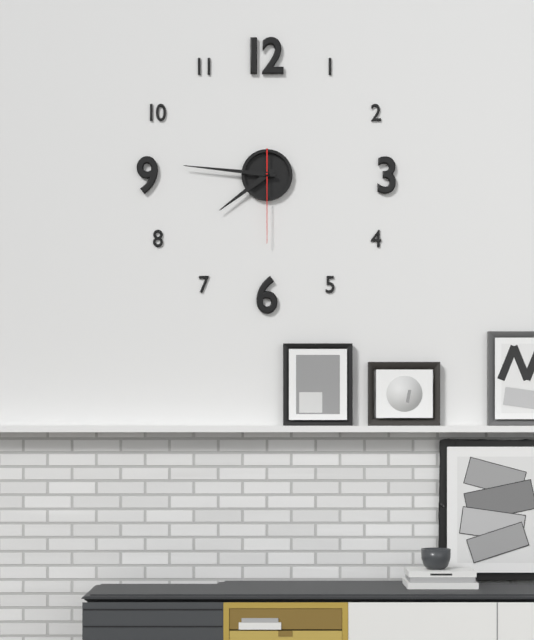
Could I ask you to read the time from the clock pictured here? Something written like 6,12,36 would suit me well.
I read 7,46,30
